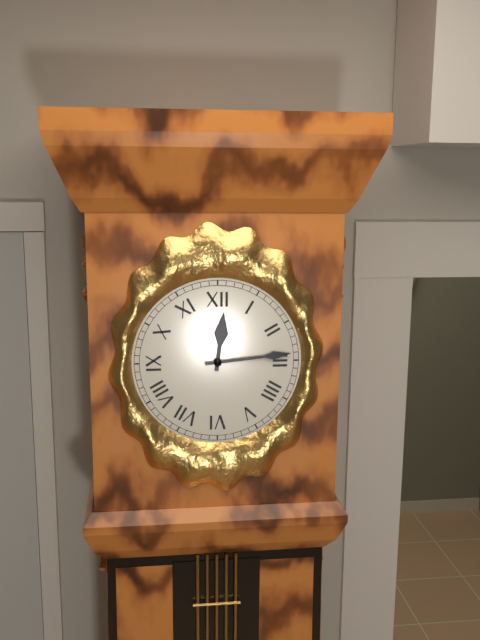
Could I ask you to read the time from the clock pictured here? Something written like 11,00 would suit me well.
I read 12,14
